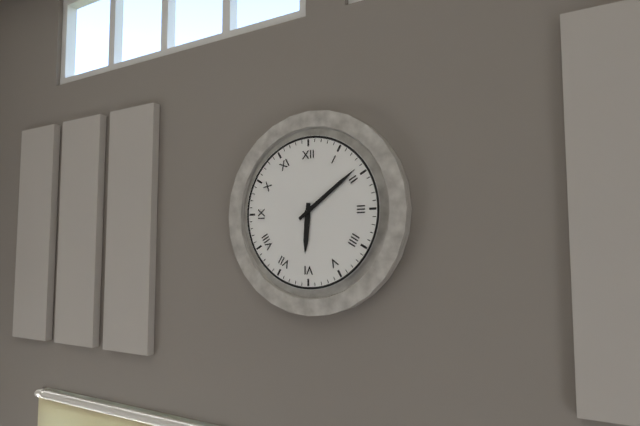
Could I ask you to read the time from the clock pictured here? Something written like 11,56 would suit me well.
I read 6,09
